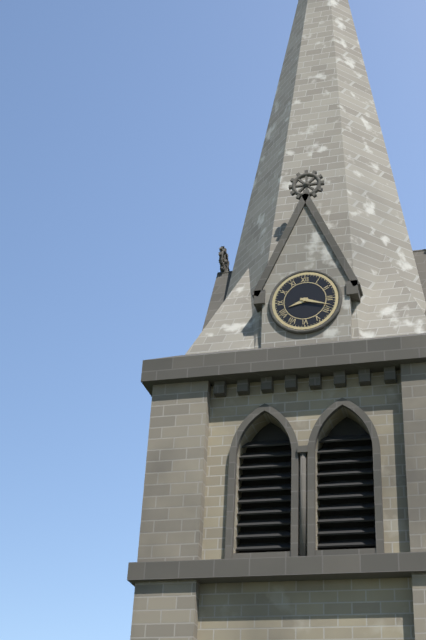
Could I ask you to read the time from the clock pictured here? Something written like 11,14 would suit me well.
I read 8,18
